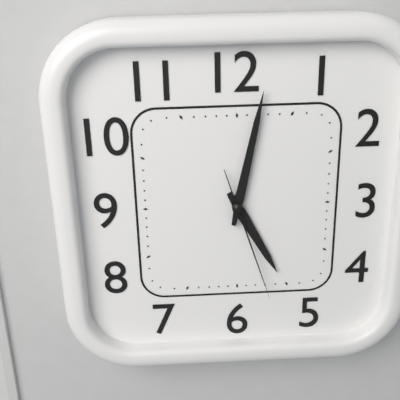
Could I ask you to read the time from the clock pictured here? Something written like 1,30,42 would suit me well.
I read 5,02,27
